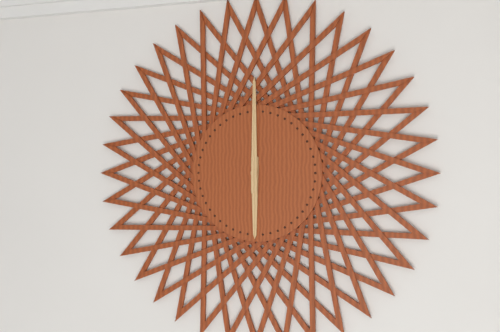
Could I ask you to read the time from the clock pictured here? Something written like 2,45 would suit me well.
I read 6,00
